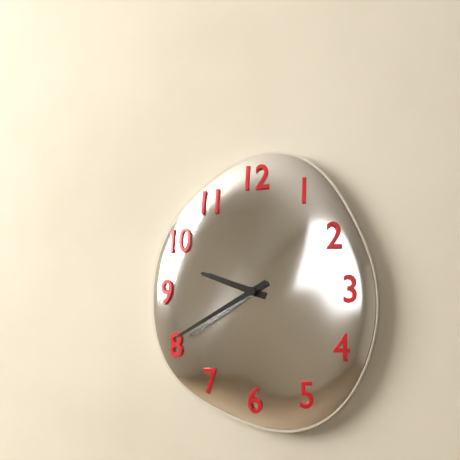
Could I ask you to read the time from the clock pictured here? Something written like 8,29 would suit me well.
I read 9,40
